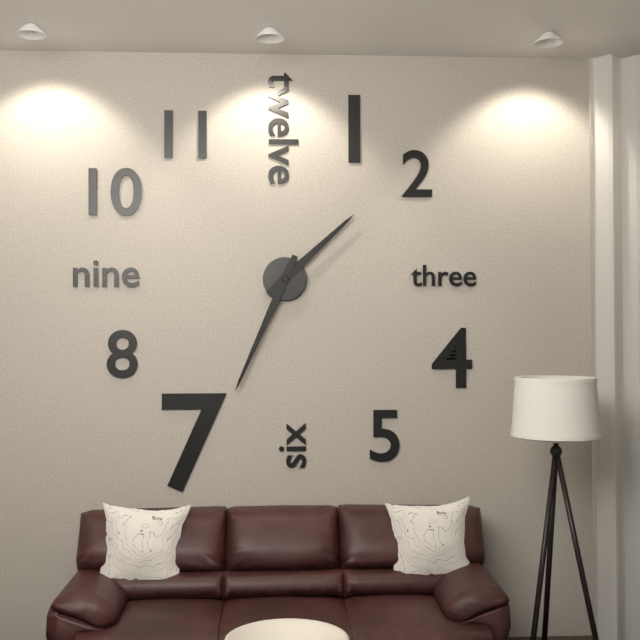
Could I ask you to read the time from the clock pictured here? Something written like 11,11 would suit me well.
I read 1,34
